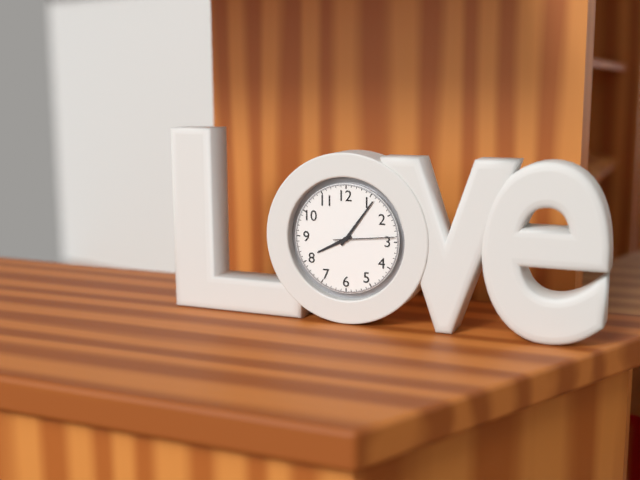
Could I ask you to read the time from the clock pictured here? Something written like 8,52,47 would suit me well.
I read 8,06,14
